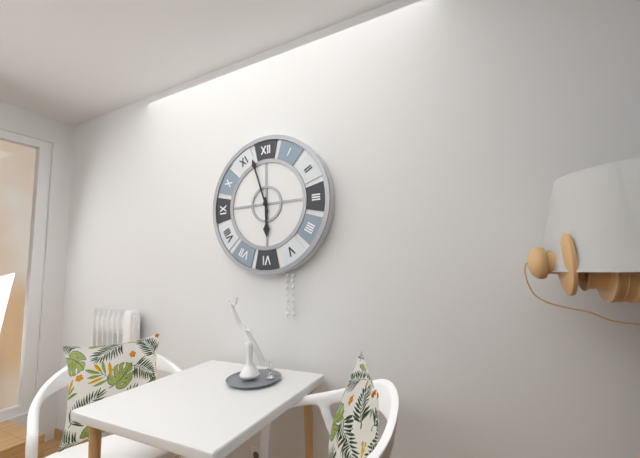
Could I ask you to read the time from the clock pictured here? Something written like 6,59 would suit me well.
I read 5,57
